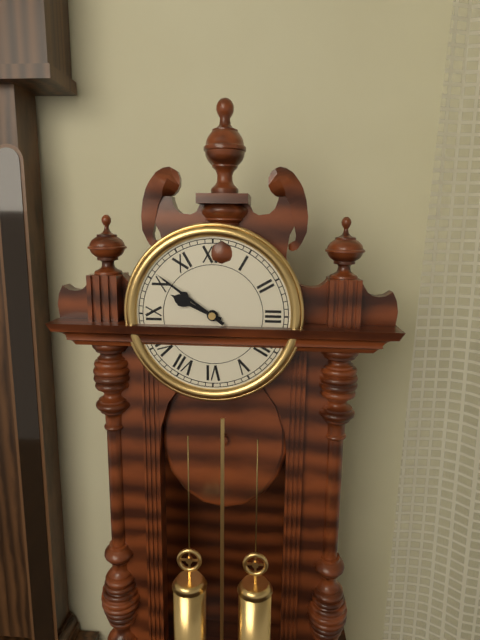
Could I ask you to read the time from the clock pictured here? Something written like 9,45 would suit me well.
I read 9,51
